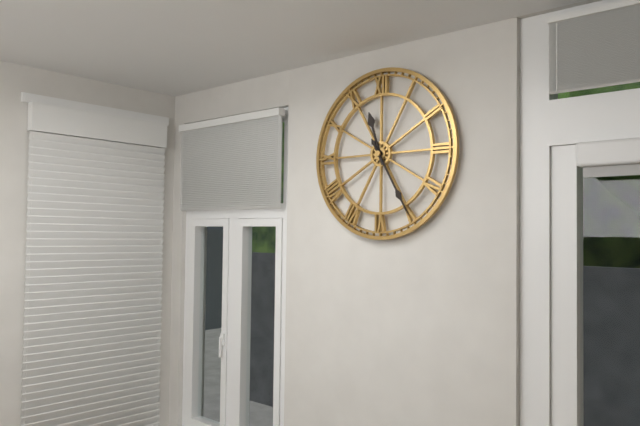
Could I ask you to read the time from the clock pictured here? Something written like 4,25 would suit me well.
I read 11,25
